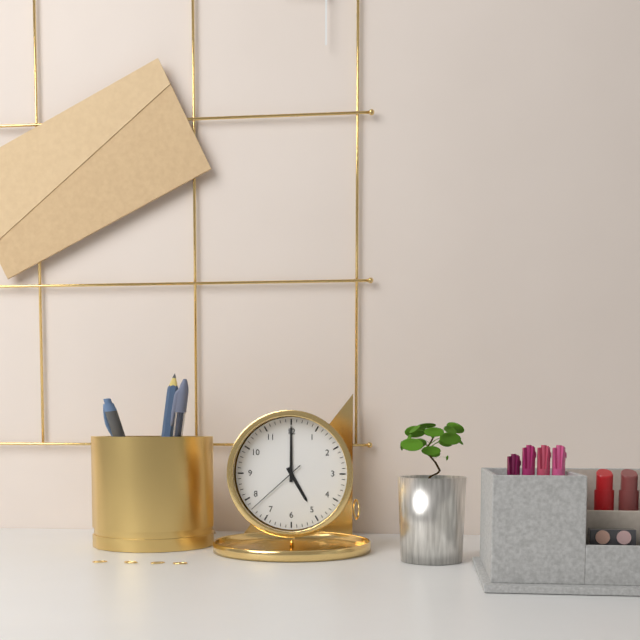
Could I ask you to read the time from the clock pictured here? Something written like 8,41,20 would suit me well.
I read 5,00,38
